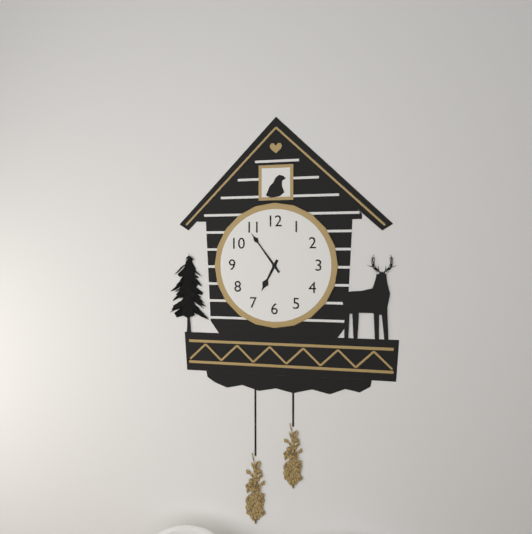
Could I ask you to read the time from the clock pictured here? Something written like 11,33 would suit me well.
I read 6,54
